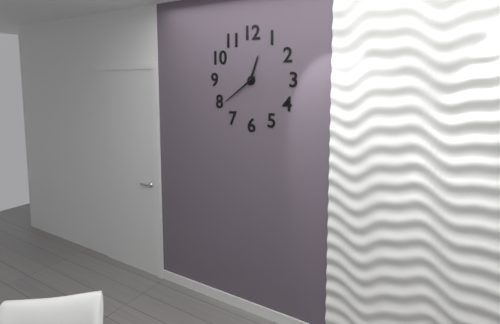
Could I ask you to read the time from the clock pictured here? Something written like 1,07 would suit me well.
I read 12,39
